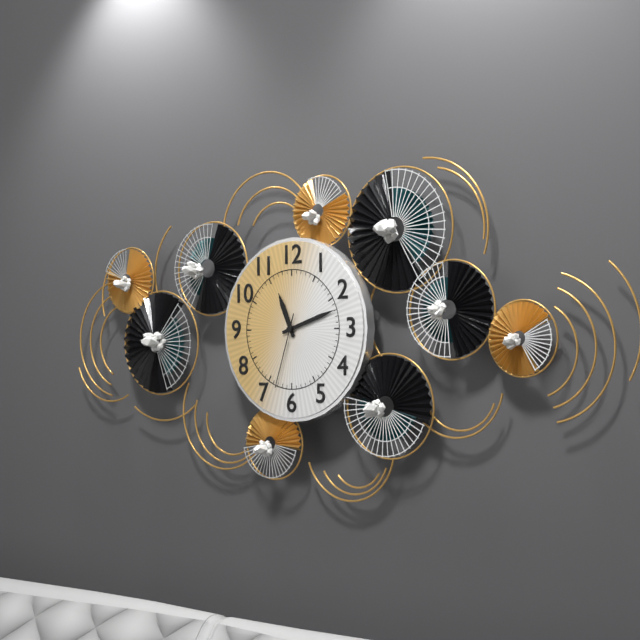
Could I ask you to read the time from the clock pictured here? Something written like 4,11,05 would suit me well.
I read 11,12,33
